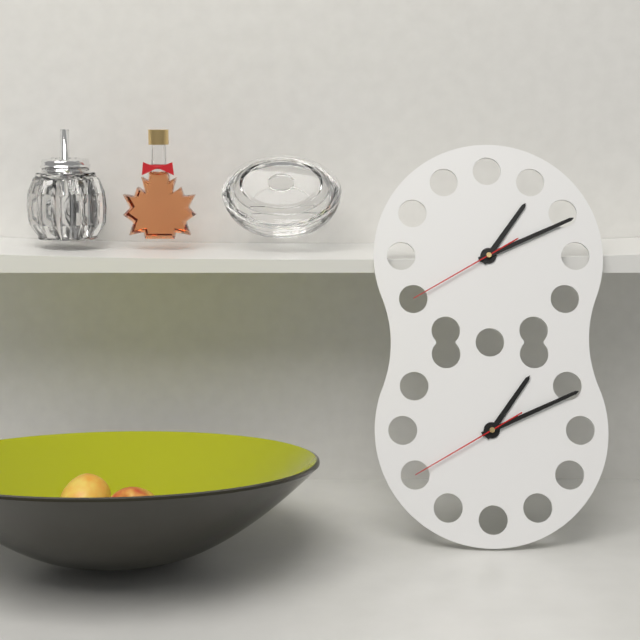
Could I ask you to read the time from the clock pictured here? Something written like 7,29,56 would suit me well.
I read 1,11,40
